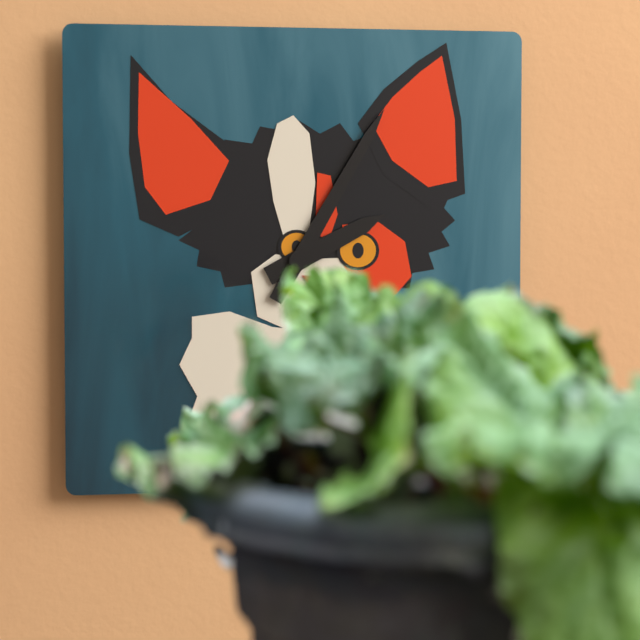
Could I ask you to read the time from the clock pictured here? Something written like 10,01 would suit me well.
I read 2,05
